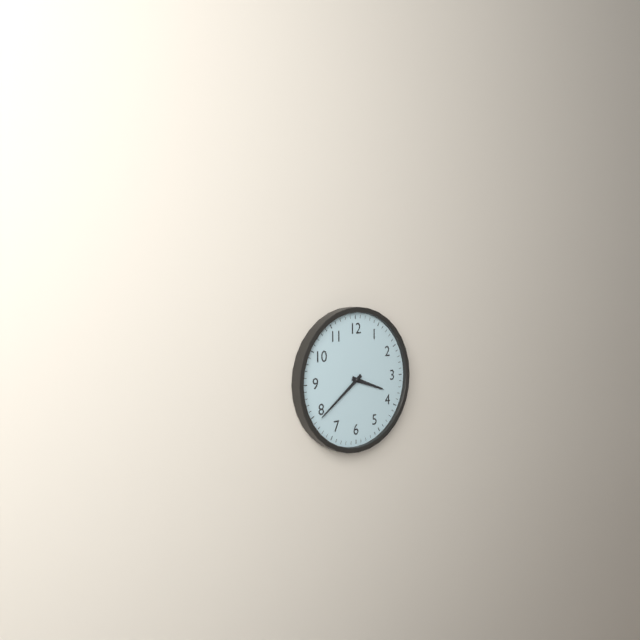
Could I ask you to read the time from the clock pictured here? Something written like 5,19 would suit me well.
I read 3,39
